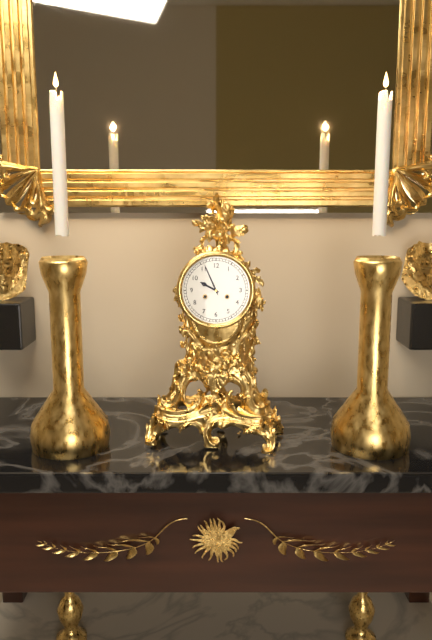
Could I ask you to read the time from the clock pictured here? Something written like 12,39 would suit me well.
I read 9,56
